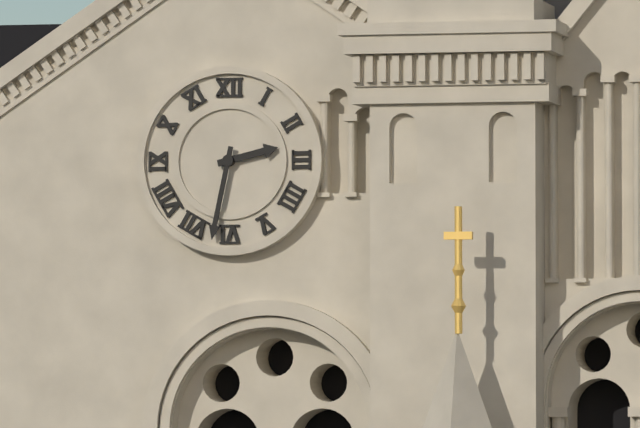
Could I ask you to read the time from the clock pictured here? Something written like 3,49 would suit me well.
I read 2,32
